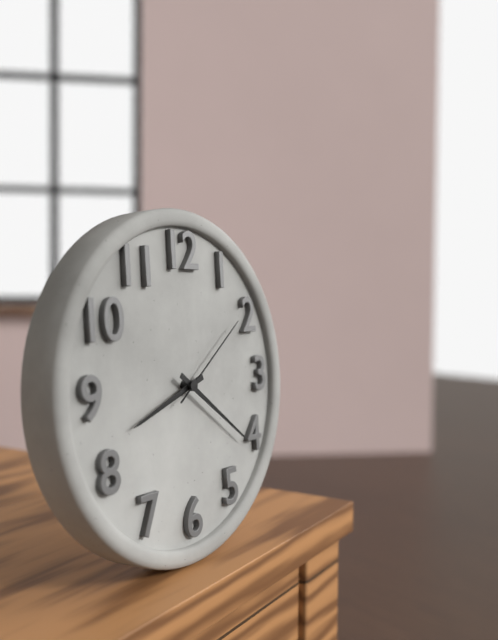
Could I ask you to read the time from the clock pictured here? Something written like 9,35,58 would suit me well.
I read 8,21,09
